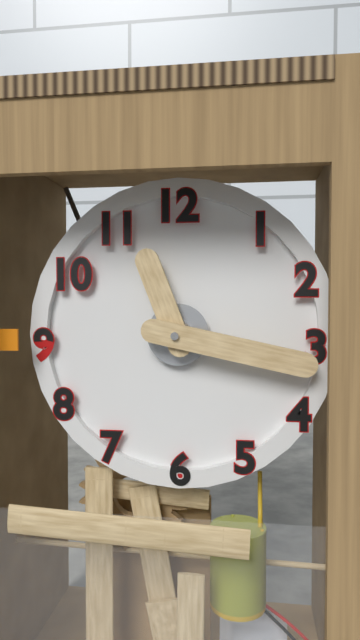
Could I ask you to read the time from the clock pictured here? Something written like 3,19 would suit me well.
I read 11,17
